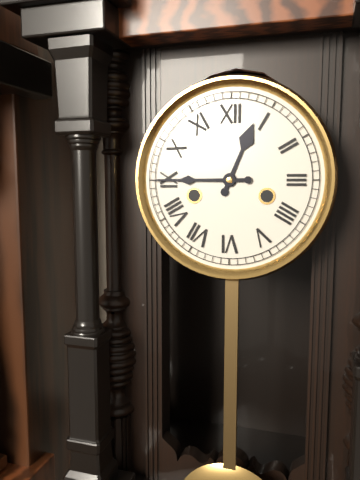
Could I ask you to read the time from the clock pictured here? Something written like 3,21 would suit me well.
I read 12,45
